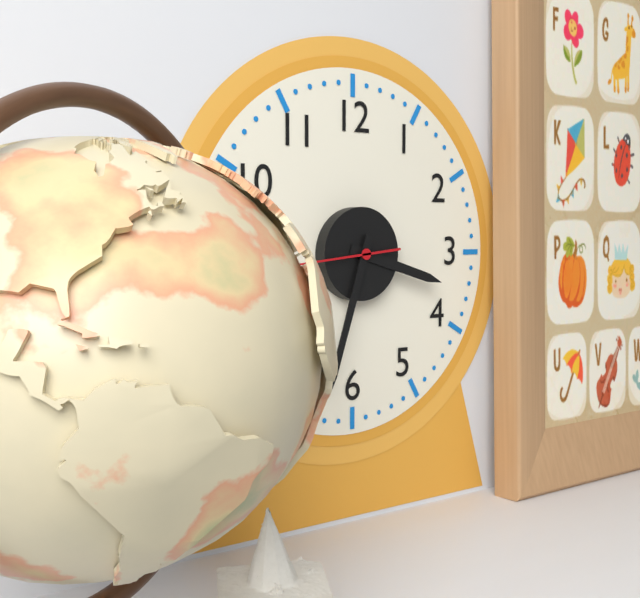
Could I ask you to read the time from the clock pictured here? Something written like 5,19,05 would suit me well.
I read 3,33,44
